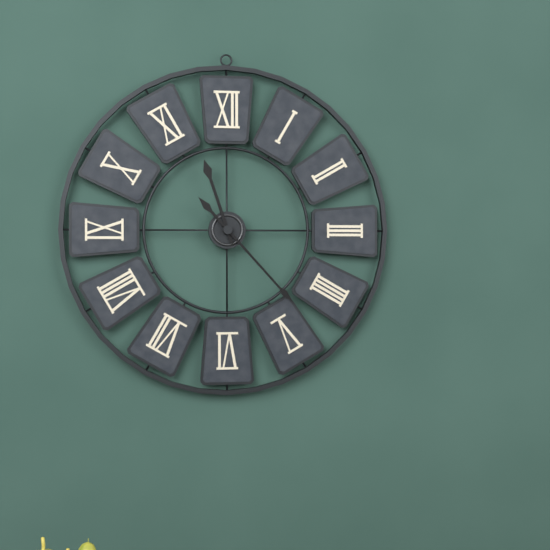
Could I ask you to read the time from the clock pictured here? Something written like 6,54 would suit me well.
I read 11,23
